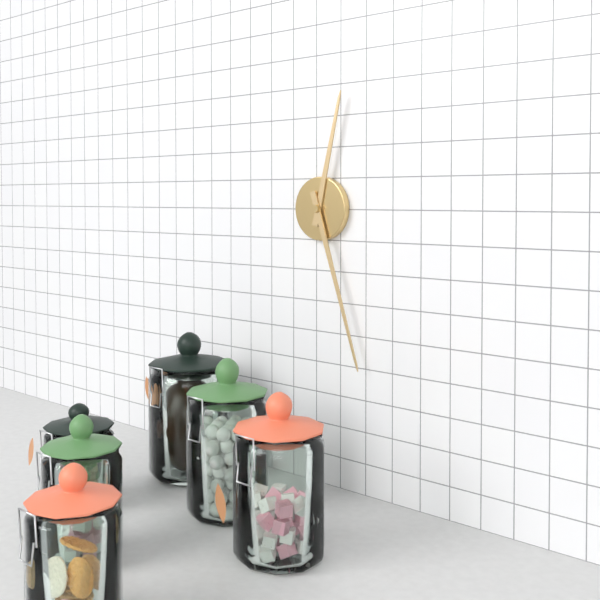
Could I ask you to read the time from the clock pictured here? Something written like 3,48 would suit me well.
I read 12,27
